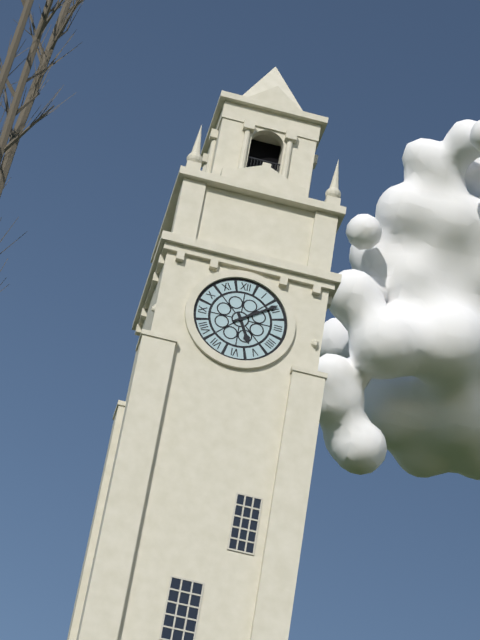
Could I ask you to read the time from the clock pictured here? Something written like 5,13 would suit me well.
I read 5,09
